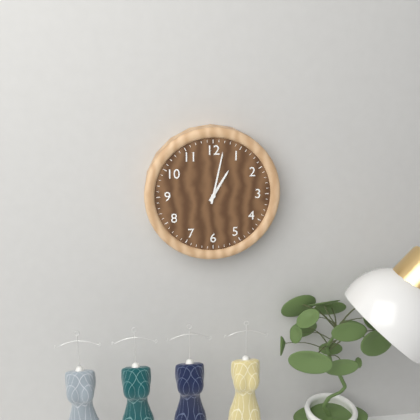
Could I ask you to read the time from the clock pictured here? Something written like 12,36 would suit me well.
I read 1,02
